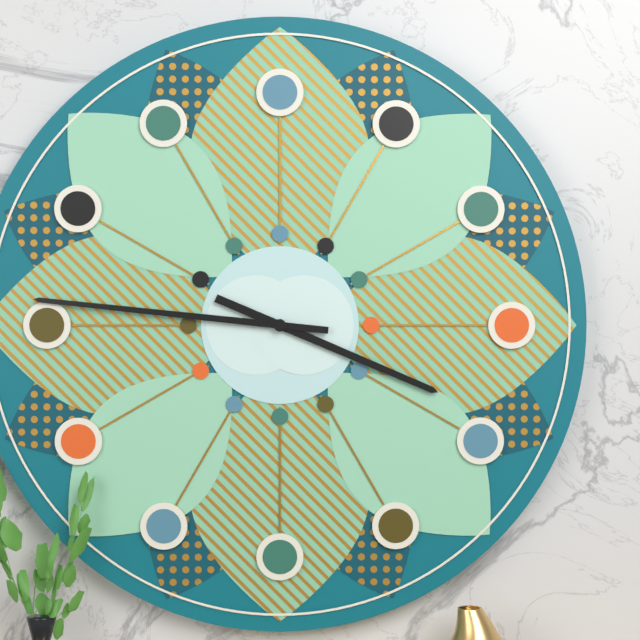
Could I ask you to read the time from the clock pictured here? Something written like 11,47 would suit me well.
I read 3,46
